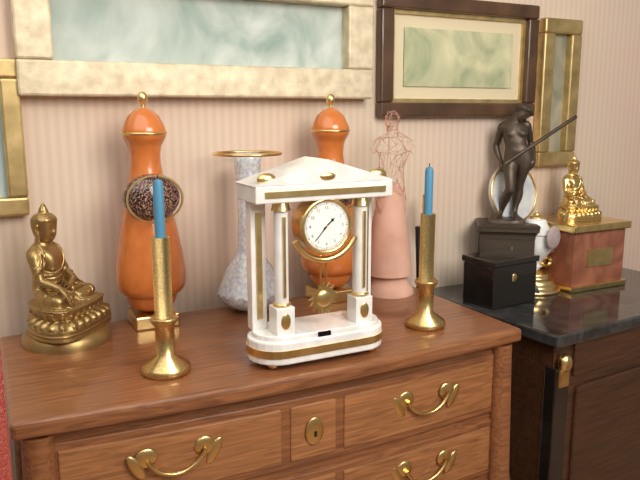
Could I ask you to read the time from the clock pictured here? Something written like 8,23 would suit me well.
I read 1,37
